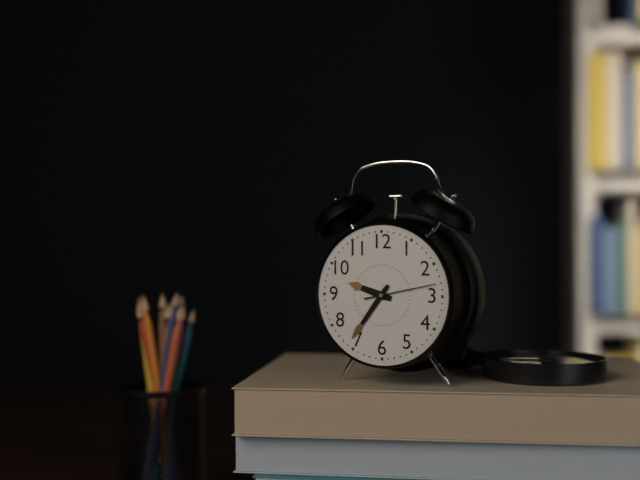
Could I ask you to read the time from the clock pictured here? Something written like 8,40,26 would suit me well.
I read 9,36,13
